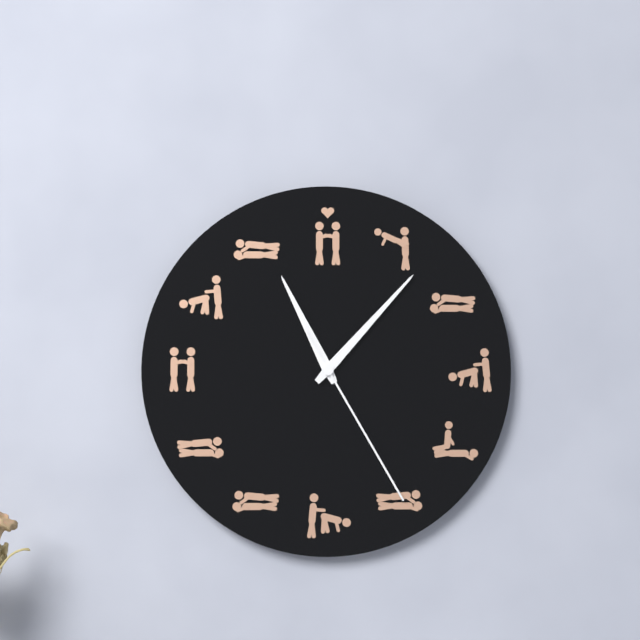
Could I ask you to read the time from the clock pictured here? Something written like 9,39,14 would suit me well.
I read 11,07,25
